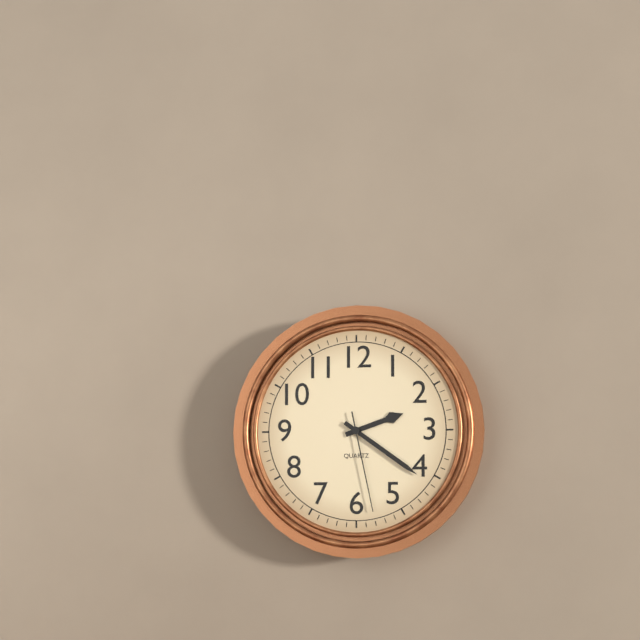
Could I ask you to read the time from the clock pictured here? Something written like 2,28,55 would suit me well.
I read 2,21,28
